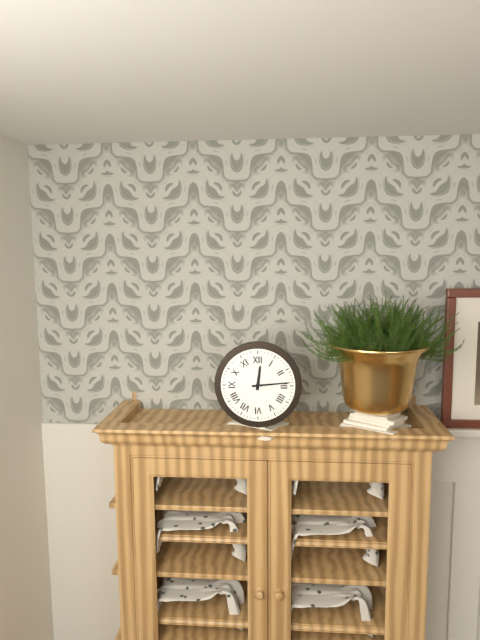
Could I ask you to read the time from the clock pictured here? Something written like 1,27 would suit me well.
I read 12,14
